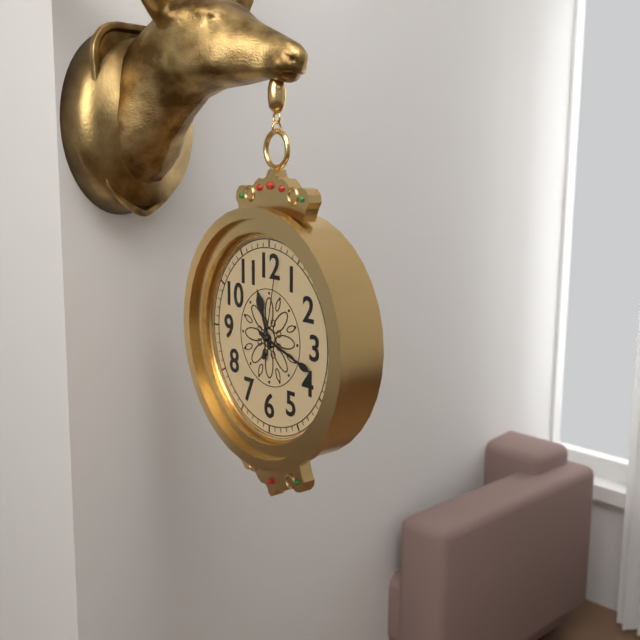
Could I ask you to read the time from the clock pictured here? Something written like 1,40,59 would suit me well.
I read 11,18,02
